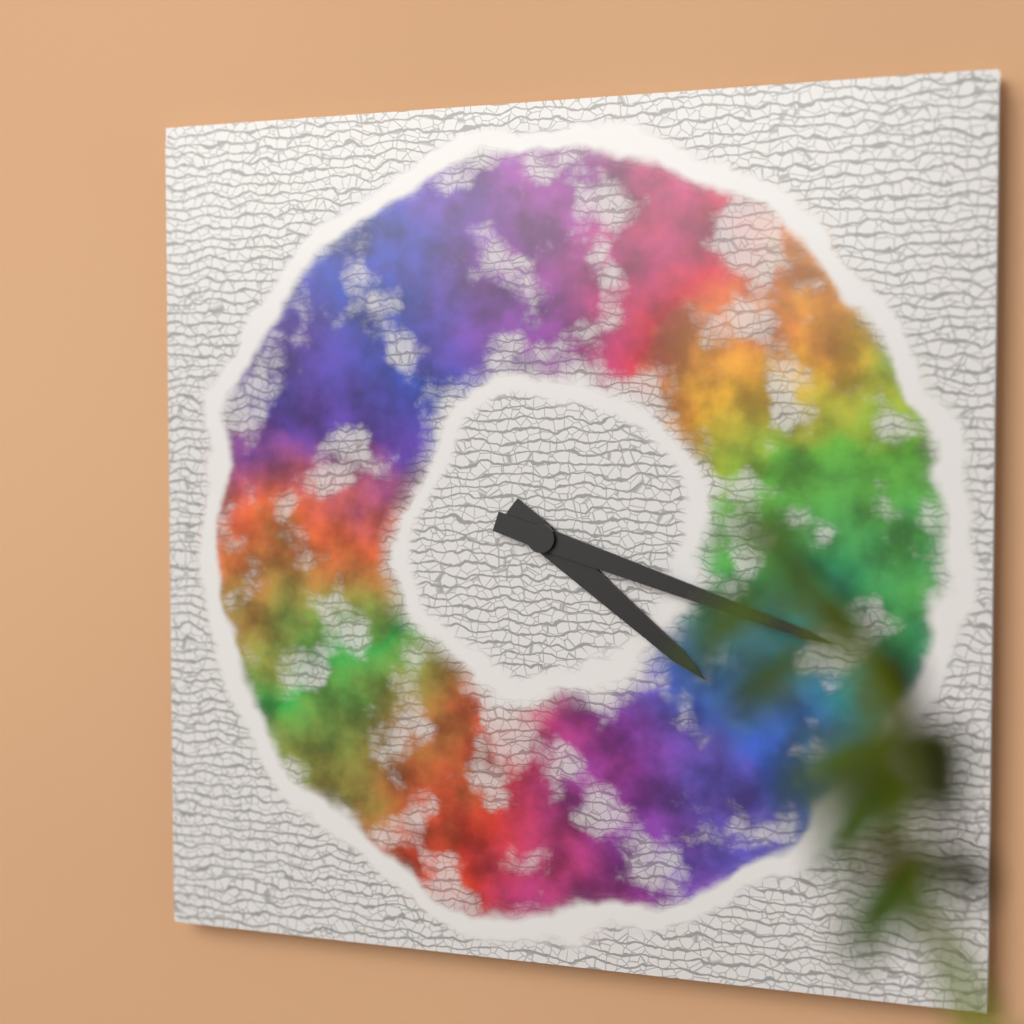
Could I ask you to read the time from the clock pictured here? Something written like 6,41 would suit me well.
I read 4,18
